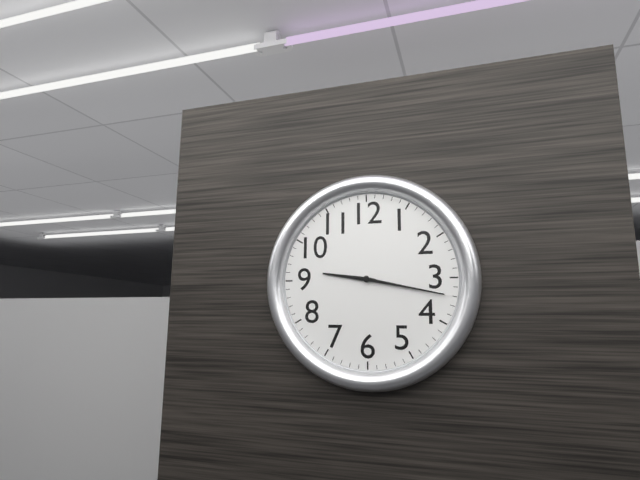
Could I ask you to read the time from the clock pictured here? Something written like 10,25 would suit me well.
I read 9,17
